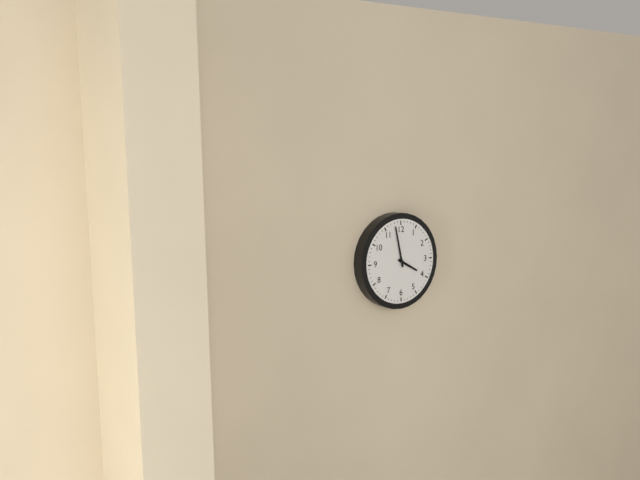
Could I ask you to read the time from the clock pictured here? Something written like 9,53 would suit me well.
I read 3,58
